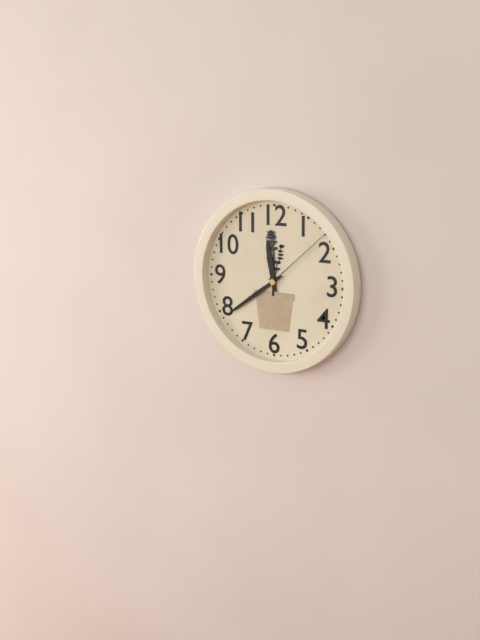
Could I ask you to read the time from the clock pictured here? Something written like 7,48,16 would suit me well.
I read 11,39,08
